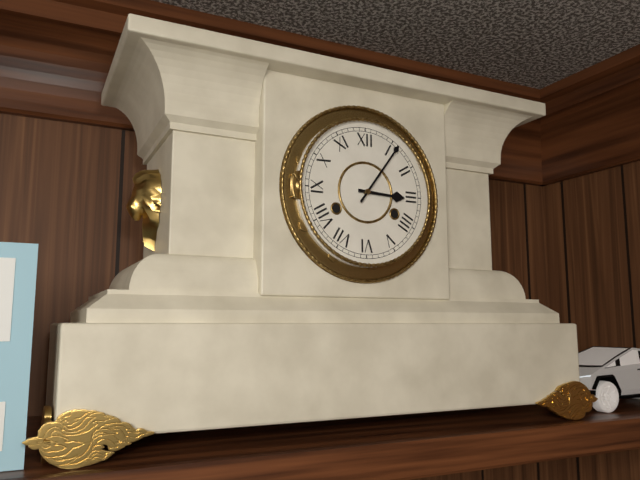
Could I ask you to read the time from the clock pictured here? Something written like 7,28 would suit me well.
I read 3,06
